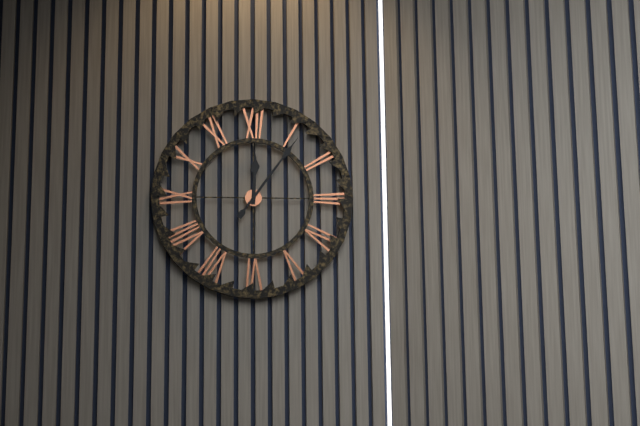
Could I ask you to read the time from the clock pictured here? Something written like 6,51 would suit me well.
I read 12,06
